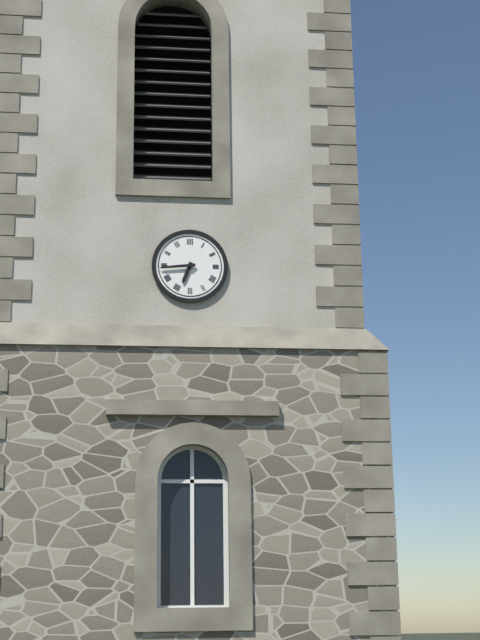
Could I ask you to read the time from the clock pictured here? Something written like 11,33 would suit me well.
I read 6,44
